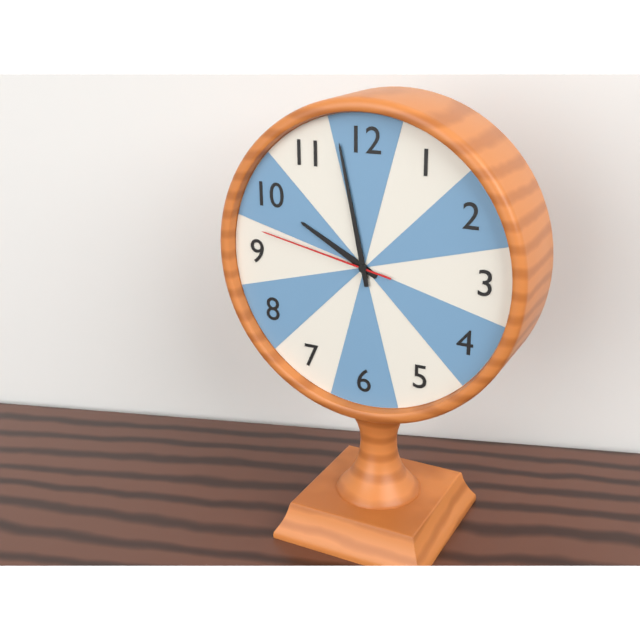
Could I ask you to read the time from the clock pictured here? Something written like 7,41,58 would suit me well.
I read 9,58,47
